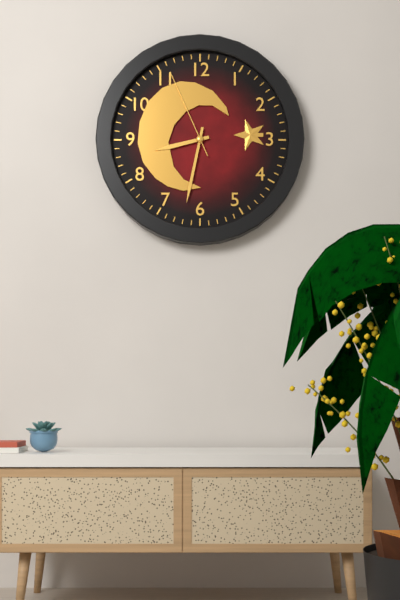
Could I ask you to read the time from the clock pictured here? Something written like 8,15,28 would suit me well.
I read 8,32,56
